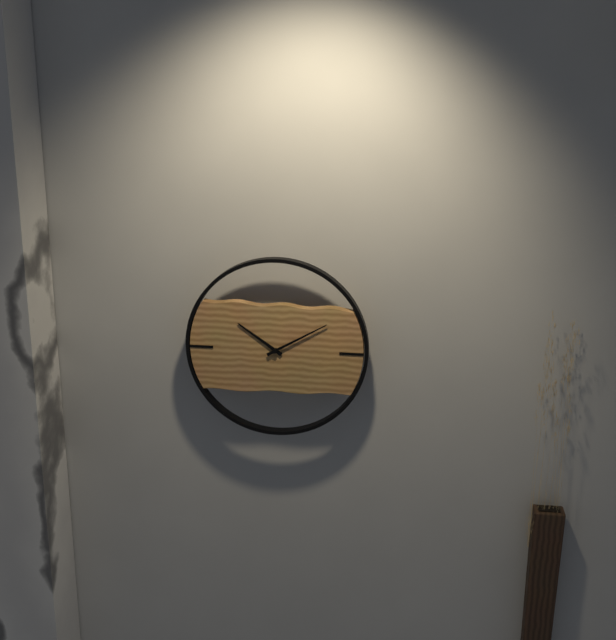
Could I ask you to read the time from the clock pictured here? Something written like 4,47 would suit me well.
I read 10,10
